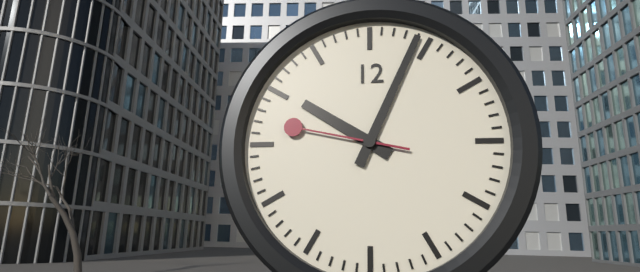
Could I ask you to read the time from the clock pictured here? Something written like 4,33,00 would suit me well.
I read 10,04,47
